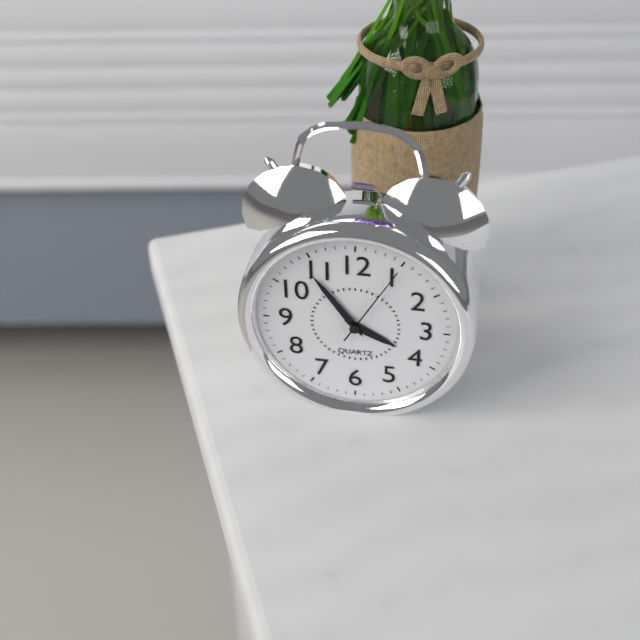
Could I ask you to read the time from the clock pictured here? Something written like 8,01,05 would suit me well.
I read 3,54,05
